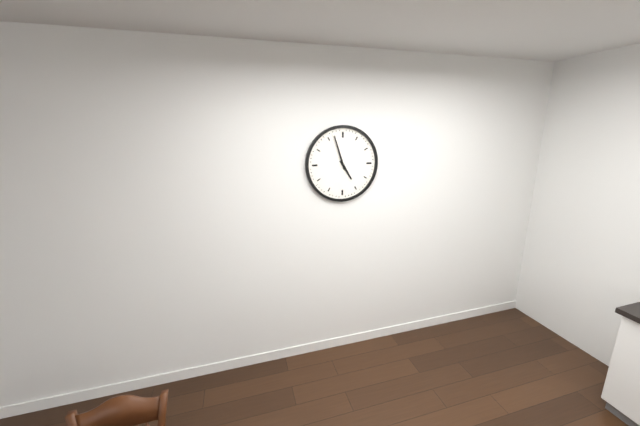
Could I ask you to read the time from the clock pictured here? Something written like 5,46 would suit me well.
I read 4,57
